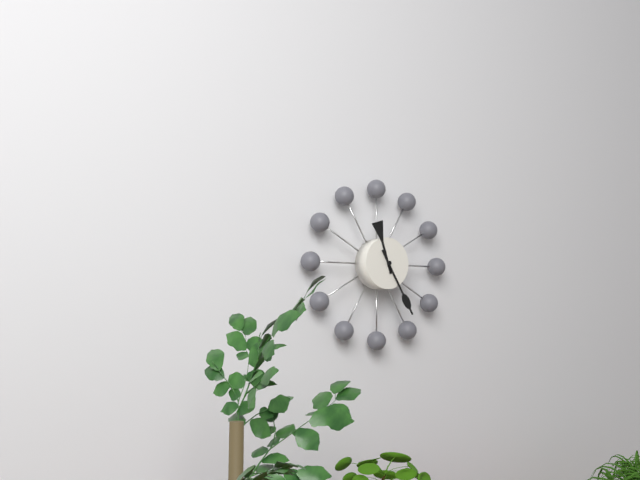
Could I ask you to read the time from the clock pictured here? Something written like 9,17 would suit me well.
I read 11,25
